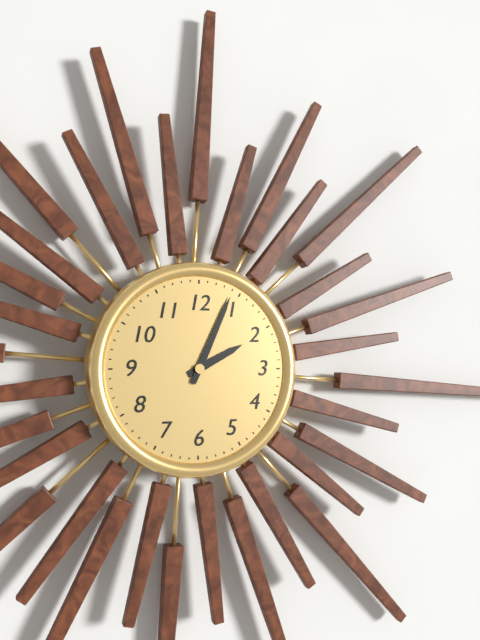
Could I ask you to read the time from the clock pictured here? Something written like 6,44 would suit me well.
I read 2,04
